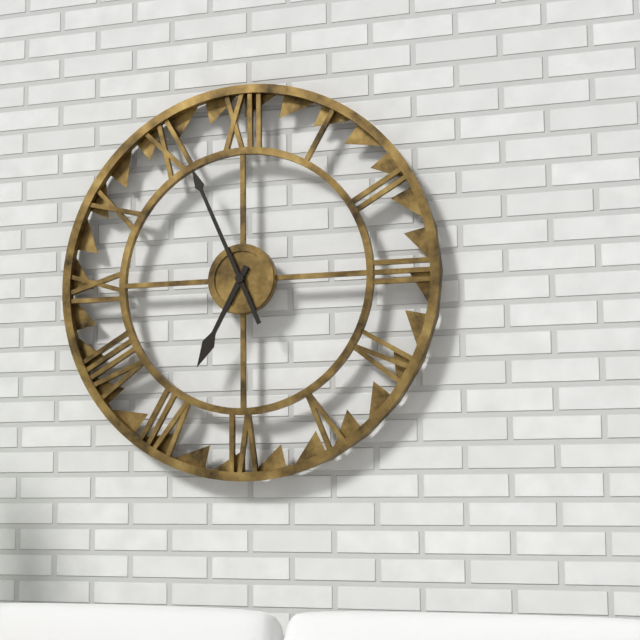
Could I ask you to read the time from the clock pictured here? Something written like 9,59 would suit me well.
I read 6,56
